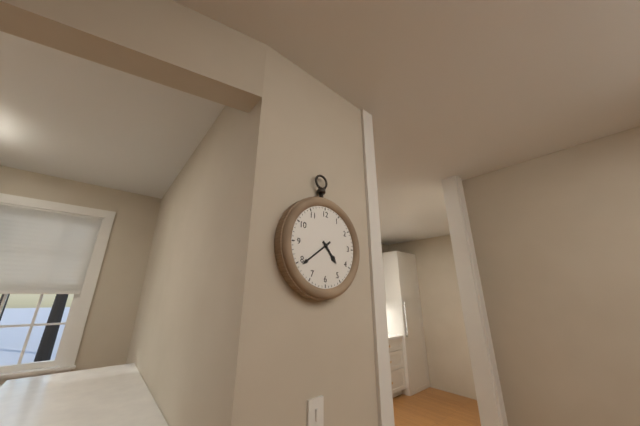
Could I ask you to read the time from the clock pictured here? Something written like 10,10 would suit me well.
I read 4,39
